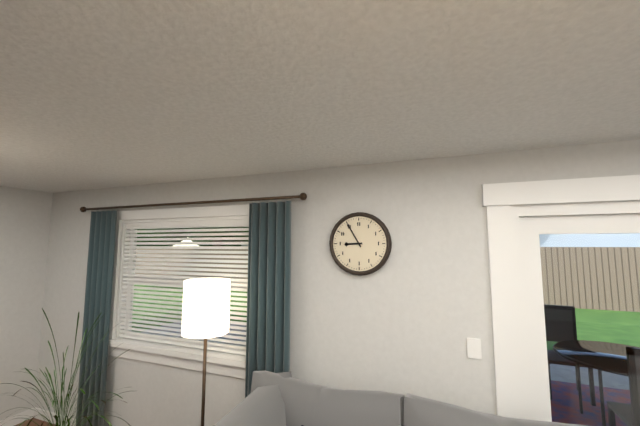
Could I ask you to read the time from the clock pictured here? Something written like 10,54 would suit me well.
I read 8,55
